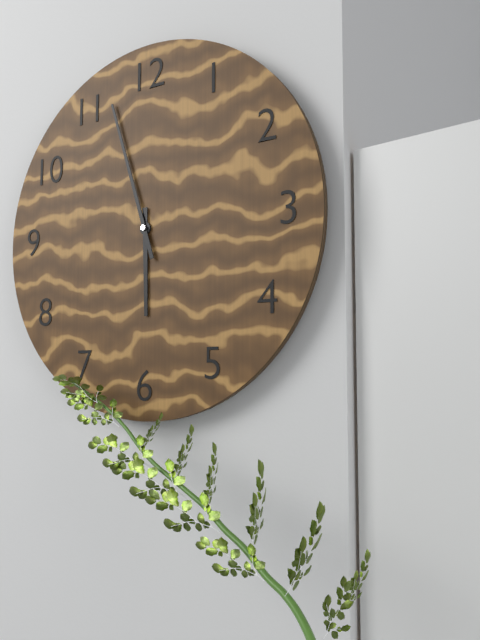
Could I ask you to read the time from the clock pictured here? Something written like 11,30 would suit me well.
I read 5,57
